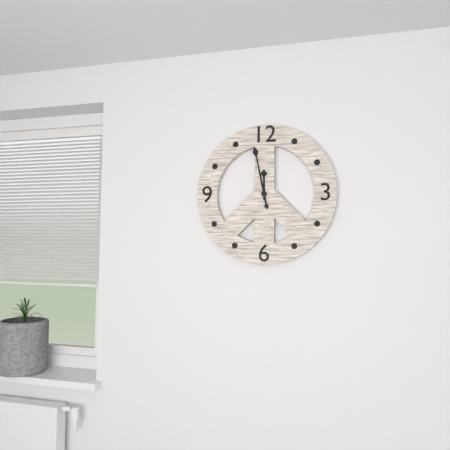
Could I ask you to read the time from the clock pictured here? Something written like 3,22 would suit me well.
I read 11,58
